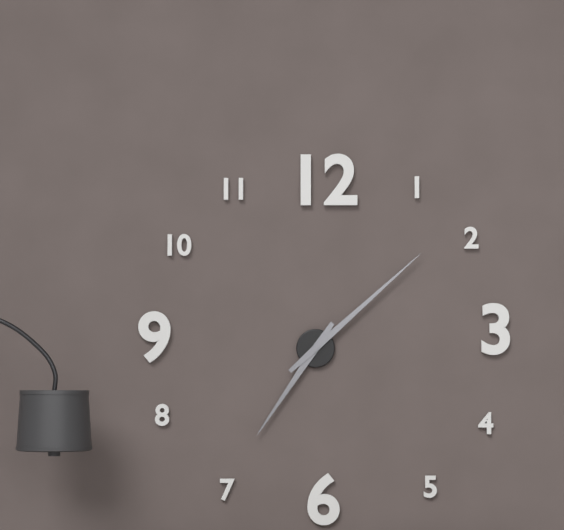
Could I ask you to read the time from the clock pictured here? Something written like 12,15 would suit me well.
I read 7,08
